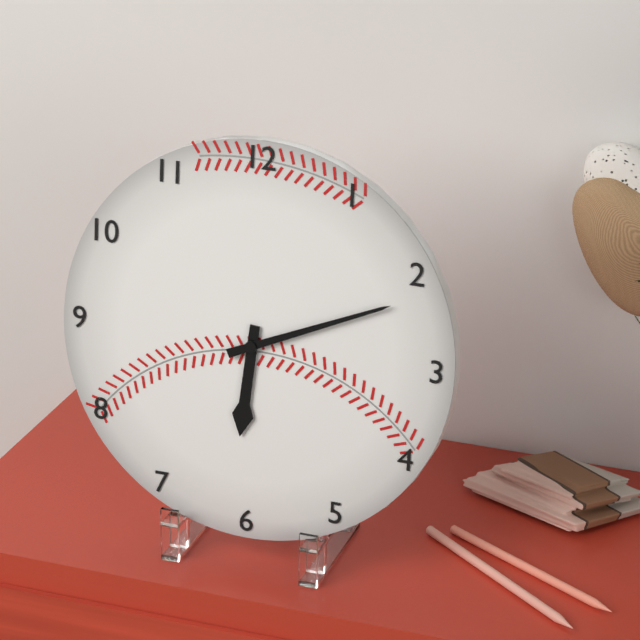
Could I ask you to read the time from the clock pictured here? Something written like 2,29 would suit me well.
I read 6,11
